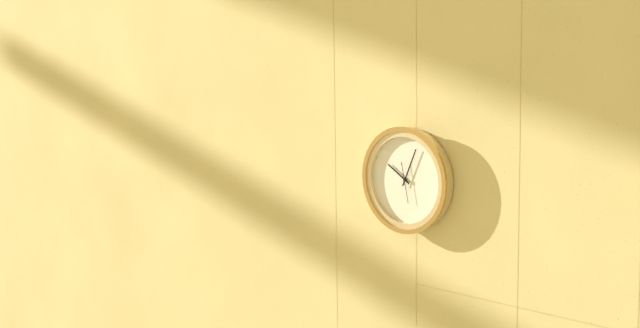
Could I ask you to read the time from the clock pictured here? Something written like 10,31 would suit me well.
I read 10,04
